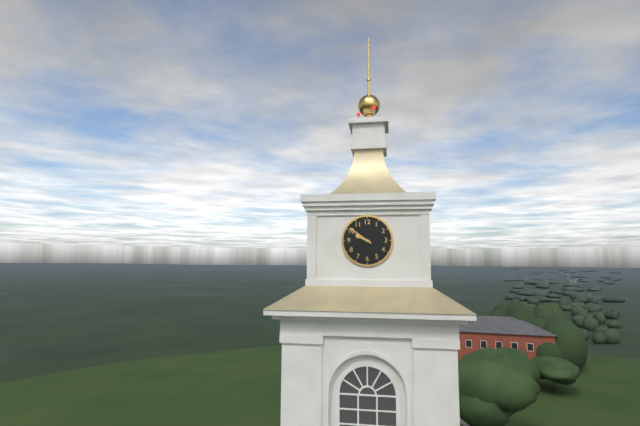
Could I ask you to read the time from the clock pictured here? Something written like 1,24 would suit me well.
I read 9,51
